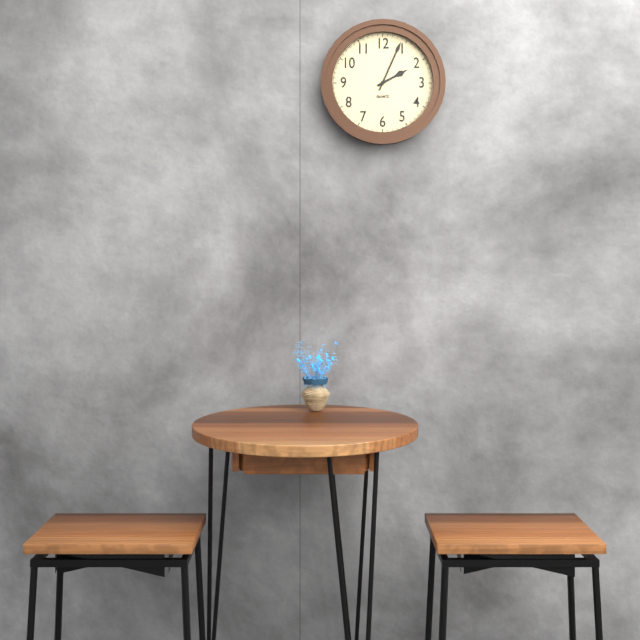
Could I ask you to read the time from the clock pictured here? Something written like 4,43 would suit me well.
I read 2,04
